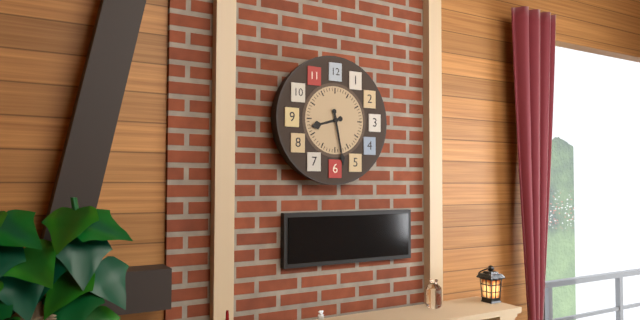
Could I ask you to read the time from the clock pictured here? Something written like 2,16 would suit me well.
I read 8,28
